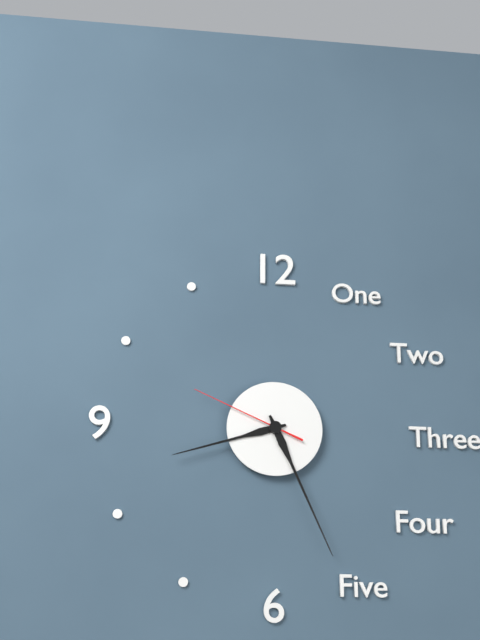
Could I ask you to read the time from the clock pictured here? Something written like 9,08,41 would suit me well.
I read 8,26,49
